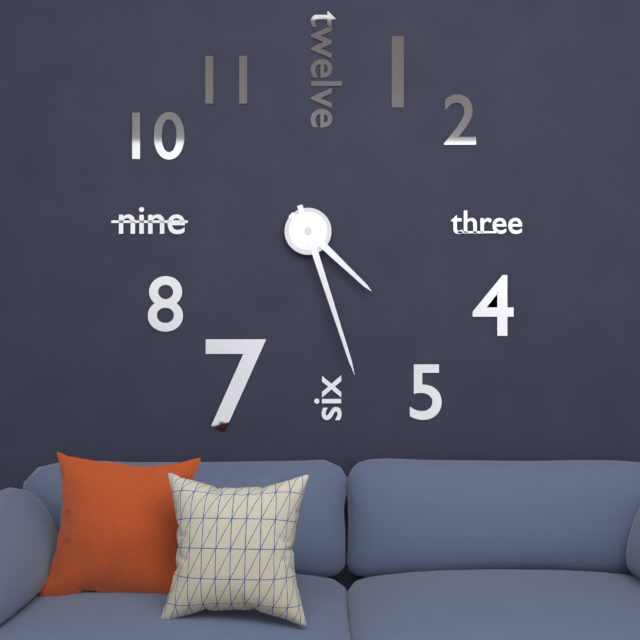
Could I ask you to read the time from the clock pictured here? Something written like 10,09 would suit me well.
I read 4,27
